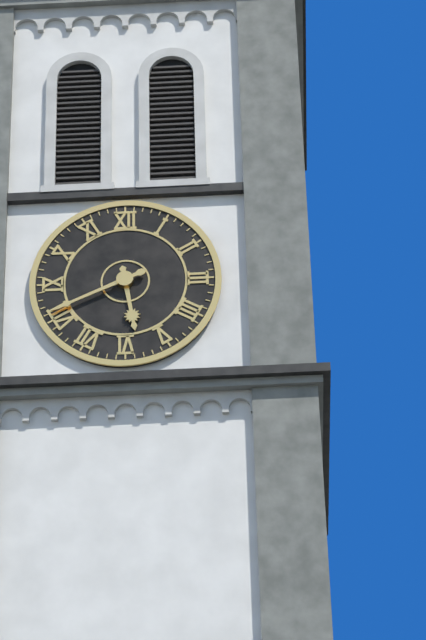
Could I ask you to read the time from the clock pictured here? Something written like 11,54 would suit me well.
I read 5,41
